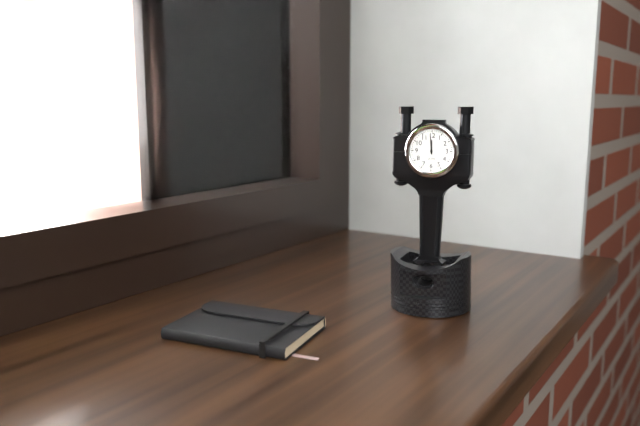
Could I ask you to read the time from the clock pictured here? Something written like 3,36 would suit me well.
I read 11,59
